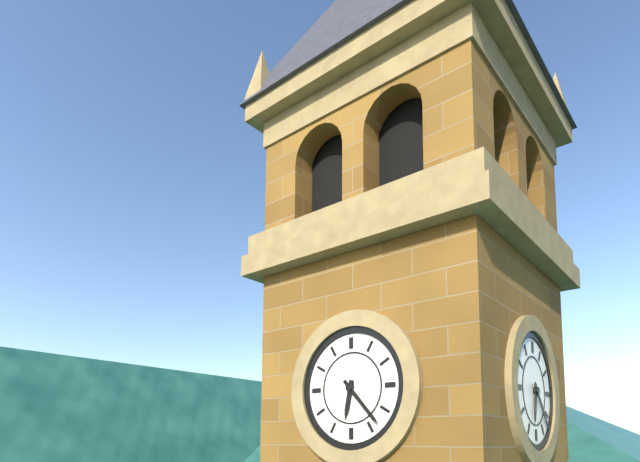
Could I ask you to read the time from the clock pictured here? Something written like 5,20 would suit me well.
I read 6,23
